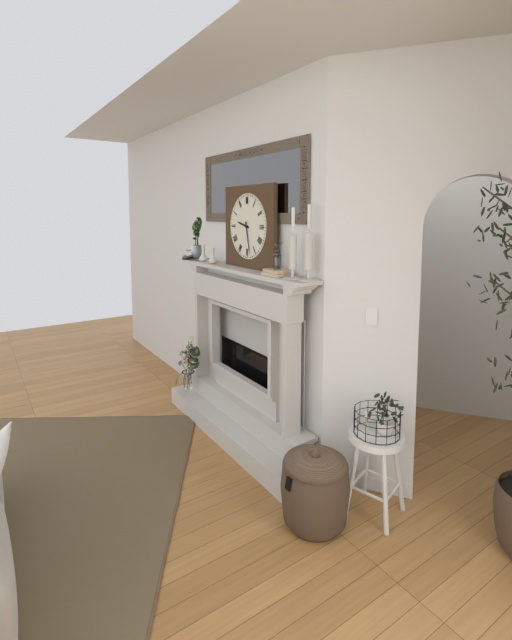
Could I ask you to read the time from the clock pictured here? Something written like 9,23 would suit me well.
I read 9,28
